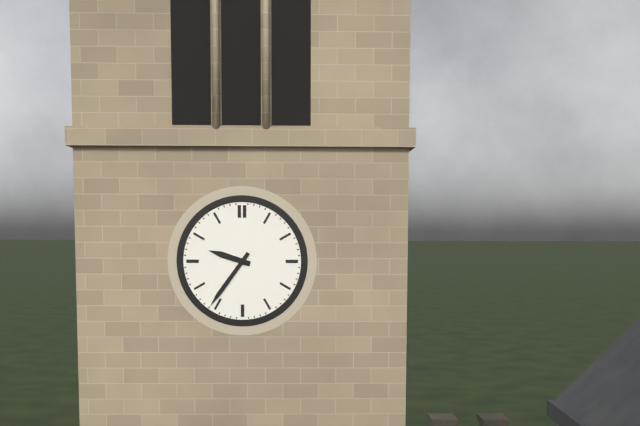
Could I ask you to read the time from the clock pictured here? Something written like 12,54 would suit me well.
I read 9,36
